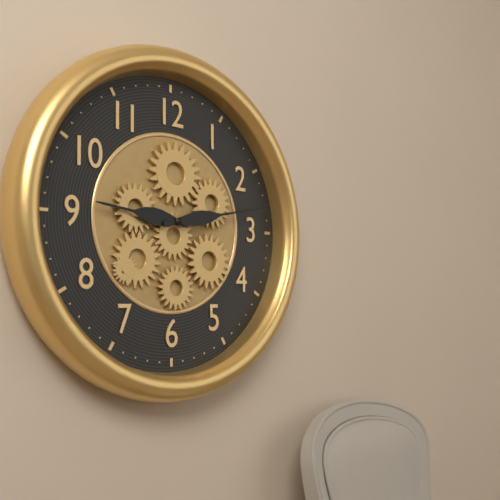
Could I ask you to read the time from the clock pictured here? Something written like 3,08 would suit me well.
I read 9,13
